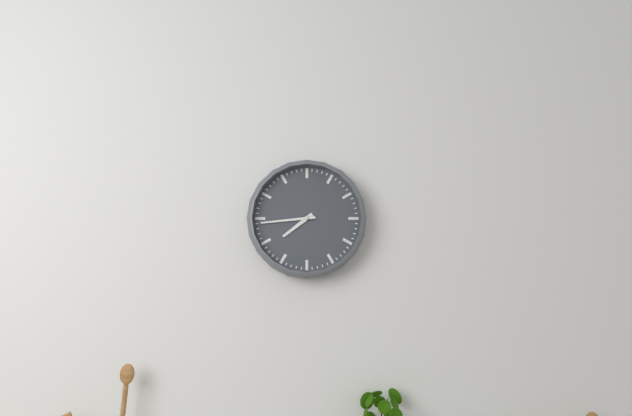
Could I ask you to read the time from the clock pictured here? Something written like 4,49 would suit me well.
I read 7,44
